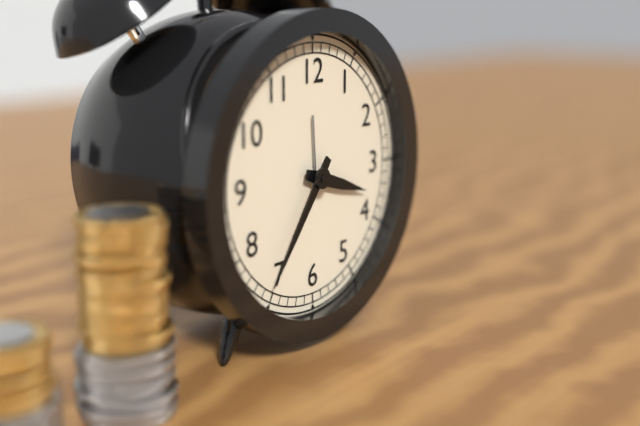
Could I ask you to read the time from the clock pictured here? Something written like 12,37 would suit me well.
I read 3,36
